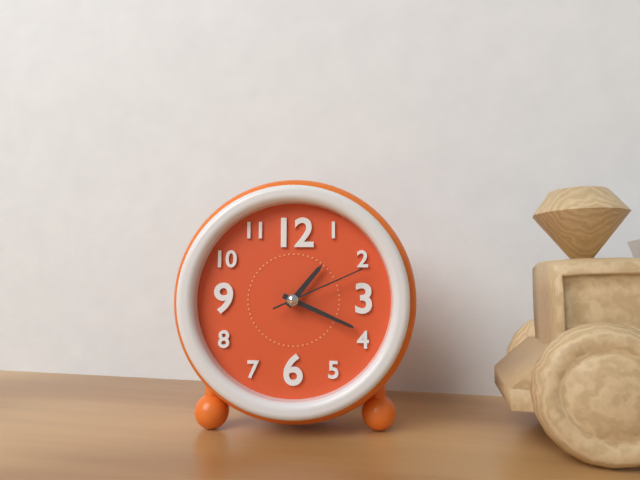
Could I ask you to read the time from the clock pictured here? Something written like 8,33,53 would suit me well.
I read 1,19,11
